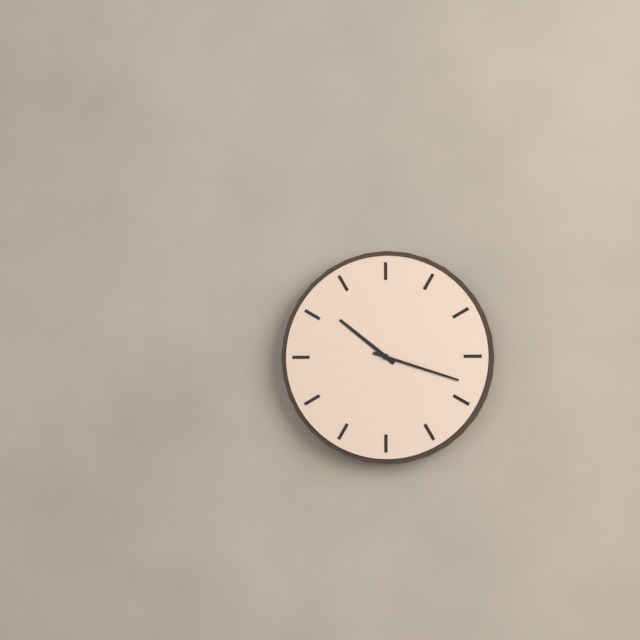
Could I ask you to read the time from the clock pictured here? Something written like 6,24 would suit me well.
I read 10,18
